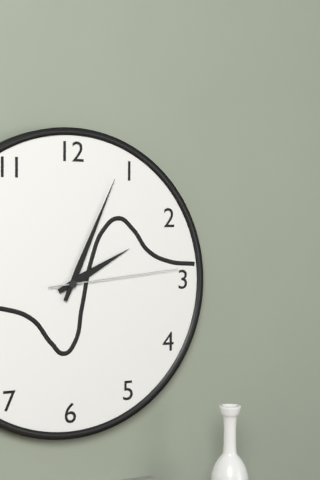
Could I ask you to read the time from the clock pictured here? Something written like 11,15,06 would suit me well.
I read 2,04,14
